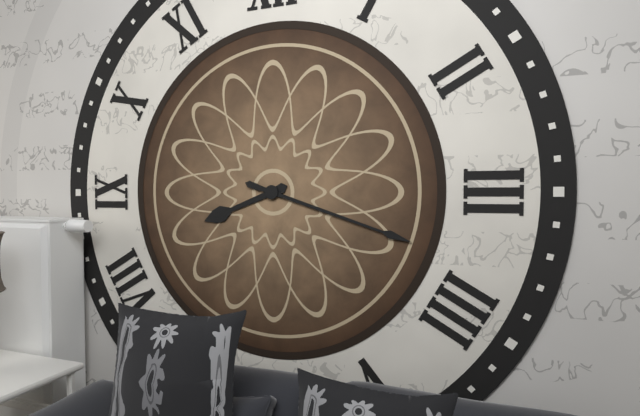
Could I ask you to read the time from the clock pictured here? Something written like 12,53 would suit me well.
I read 8,18
